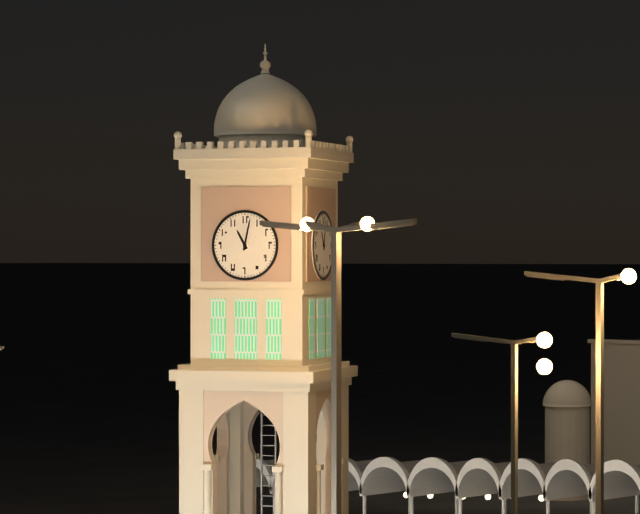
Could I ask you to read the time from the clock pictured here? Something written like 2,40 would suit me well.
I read 11,02
